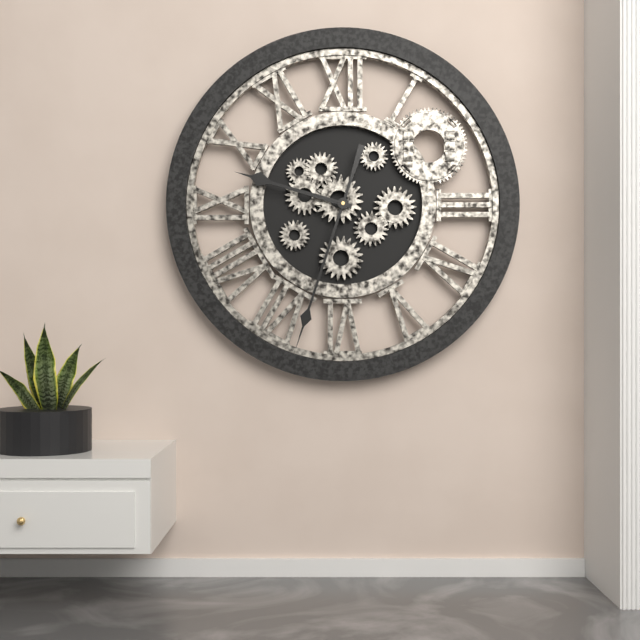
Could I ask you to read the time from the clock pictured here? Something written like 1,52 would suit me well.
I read 9,33
